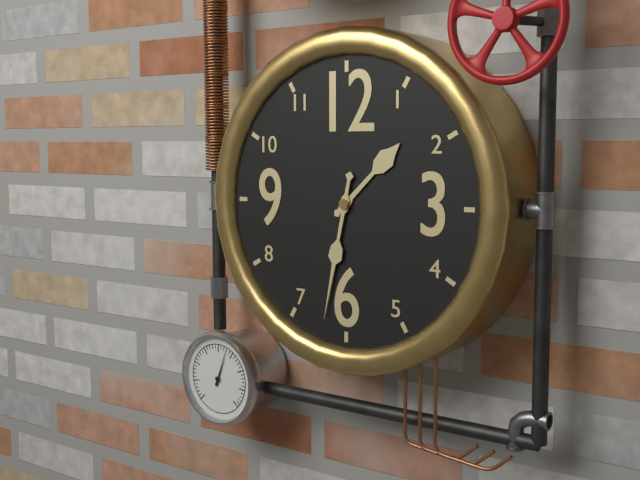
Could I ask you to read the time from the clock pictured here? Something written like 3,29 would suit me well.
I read 1,32
